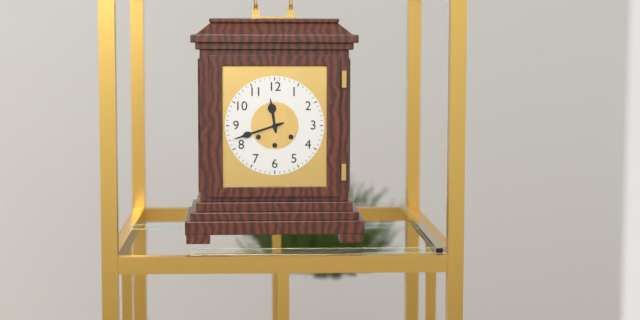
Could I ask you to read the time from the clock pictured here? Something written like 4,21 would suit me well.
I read 11,42
